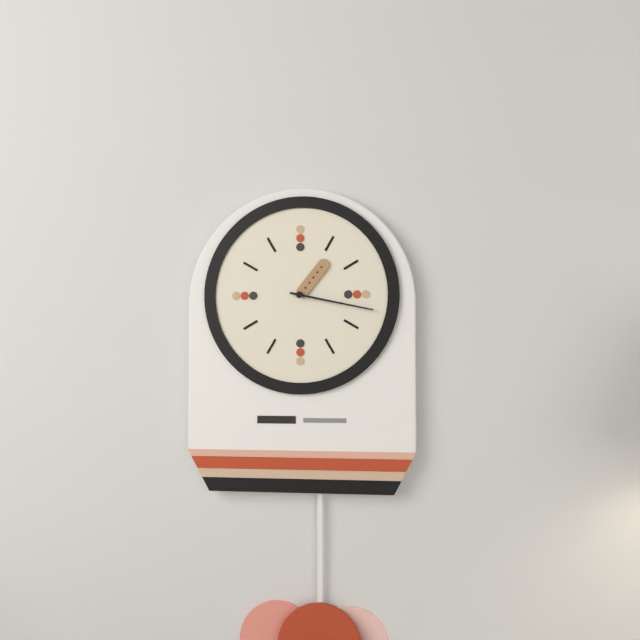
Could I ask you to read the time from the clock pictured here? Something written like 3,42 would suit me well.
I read 1,17
